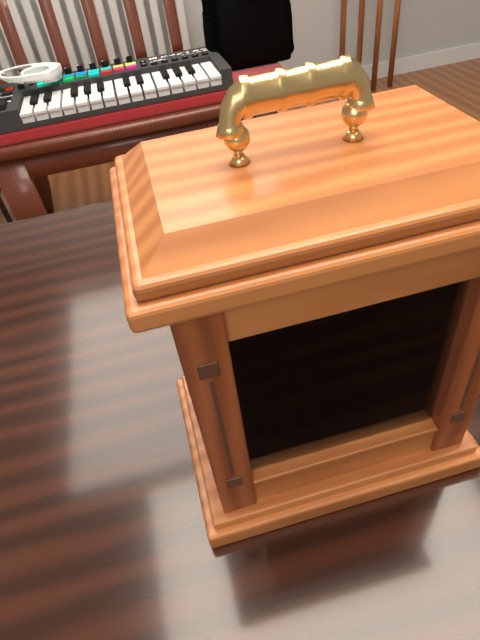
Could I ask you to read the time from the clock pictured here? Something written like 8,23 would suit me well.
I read 9,14
